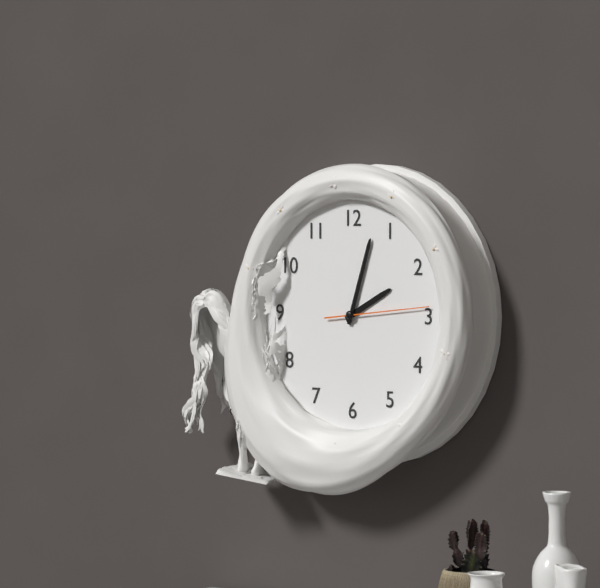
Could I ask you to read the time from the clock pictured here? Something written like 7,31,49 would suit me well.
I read 2,03,14
